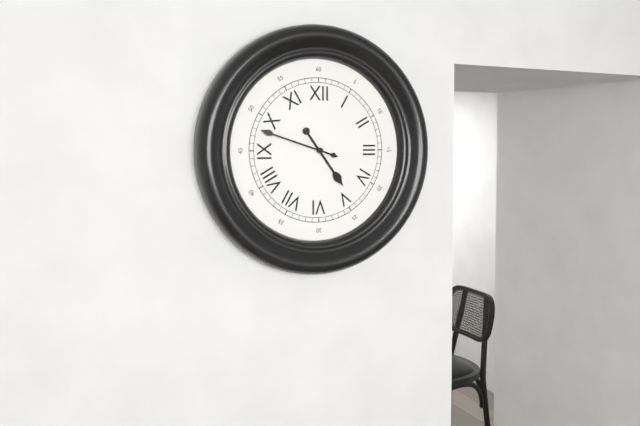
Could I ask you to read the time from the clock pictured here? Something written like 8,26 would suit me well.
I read 4,48
